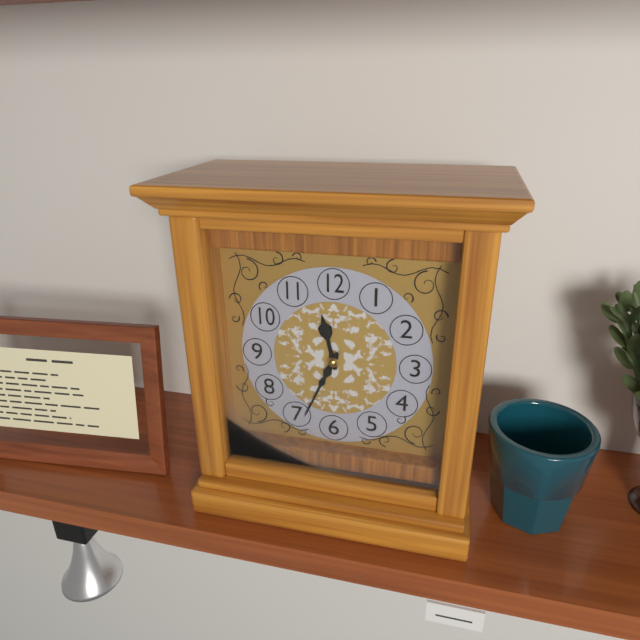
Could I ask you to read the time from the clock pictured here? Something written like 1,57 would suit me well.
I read 11,34
